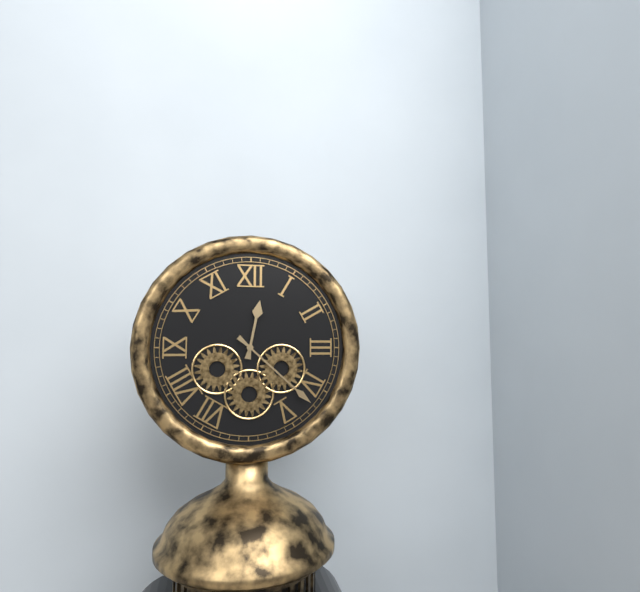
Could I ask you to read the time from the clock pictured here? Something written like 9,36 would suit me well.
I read 12,22
